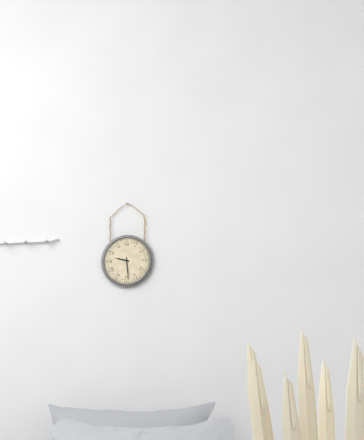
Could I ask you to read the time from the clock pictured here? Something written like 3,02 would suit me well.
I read 9,29
